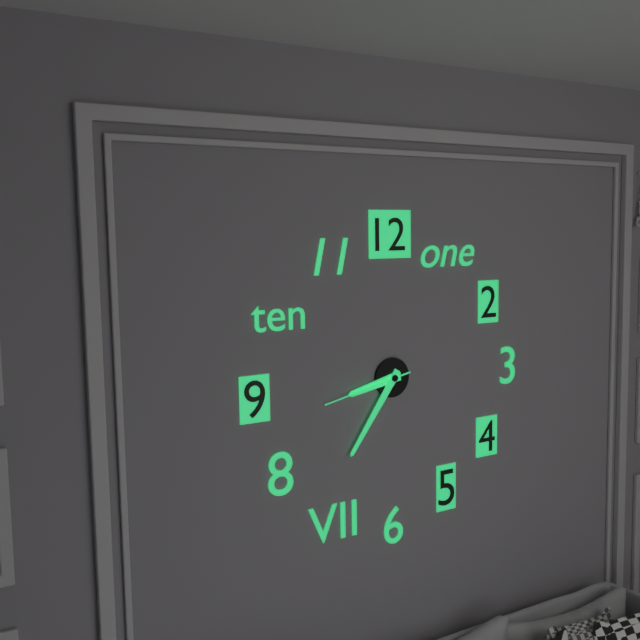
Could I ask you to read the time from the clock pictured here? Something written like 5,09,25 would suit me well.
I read 8,36,43
